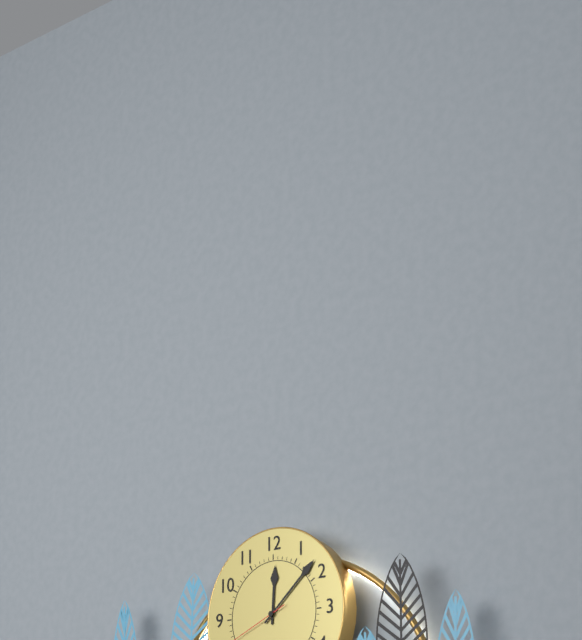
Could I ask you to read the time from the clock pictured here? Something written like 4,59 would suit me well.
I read 12,08
